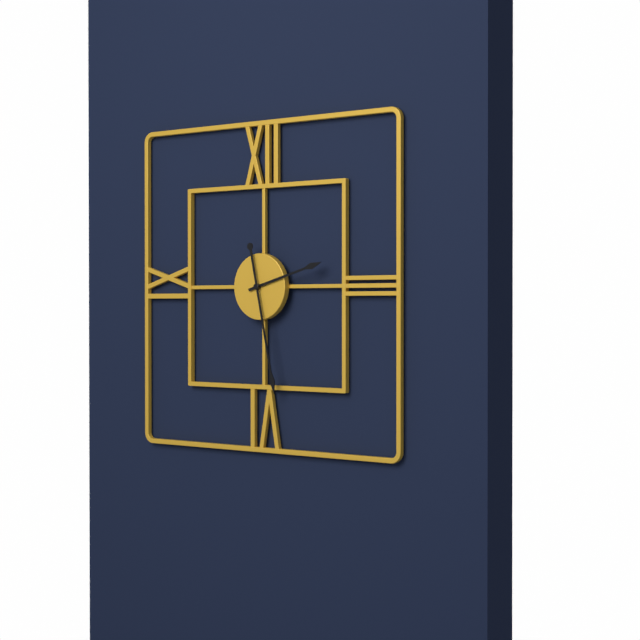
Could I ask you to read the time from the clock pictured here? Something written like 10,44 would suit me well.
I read 2,28
